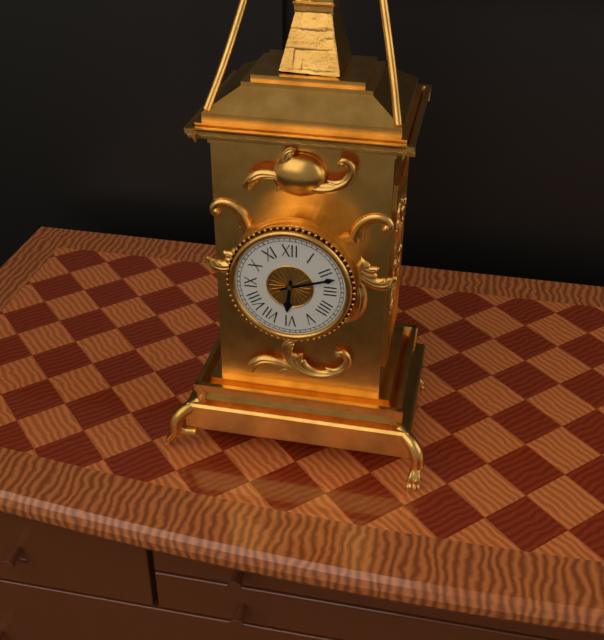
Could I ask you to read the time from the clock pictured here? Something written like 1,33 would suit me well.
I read 6,12
